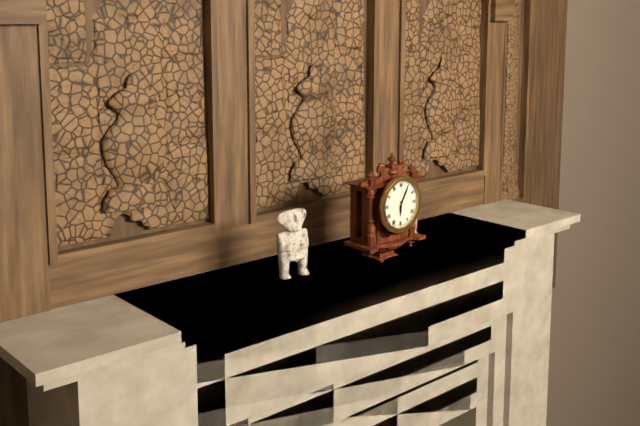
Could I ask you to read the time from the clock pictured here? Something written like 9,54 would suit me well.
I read 6,05
